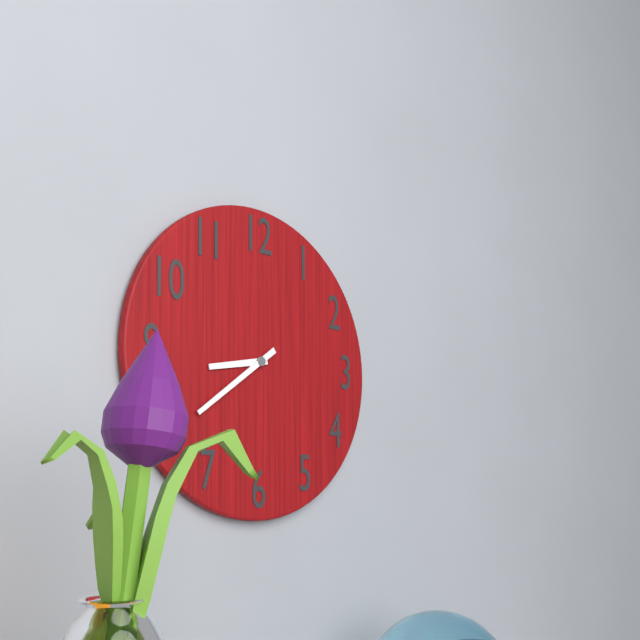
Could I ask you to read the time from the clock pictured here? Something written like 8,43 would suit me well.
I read 8,39
